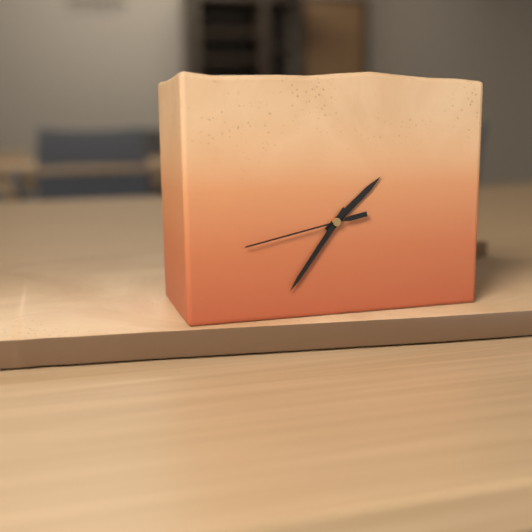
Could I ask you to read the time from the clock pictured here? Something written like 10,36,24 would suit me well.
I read 1,36,43
